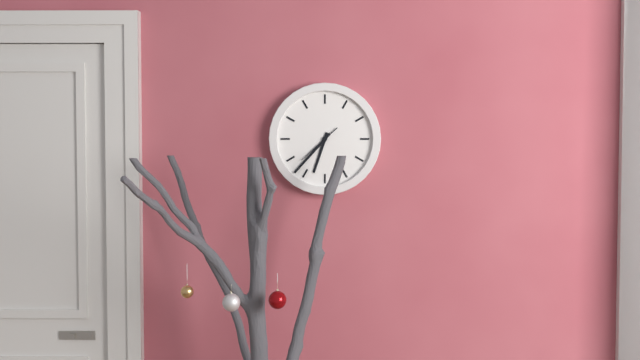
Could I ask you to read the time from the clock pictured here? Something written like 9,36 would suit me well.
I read 6,37
